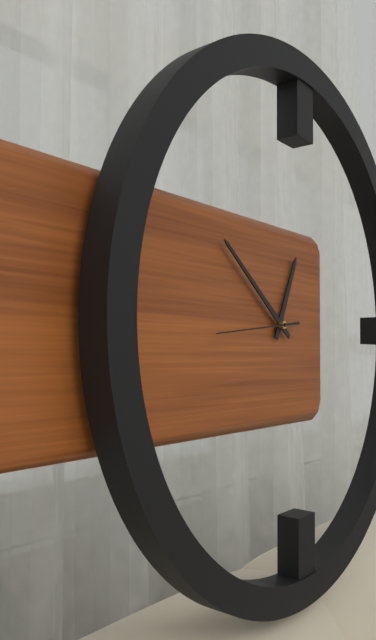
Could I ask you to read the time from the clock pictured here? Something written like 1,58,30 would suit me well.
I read 12,51,44
